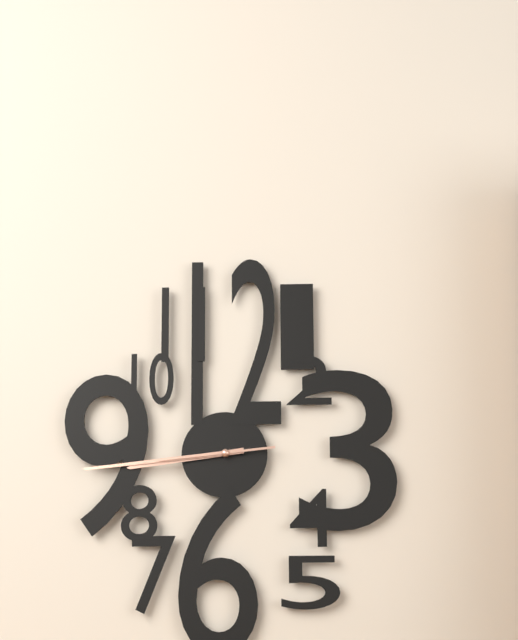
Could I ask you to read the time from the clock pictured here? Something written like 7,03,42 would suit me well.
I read 8,44,44
